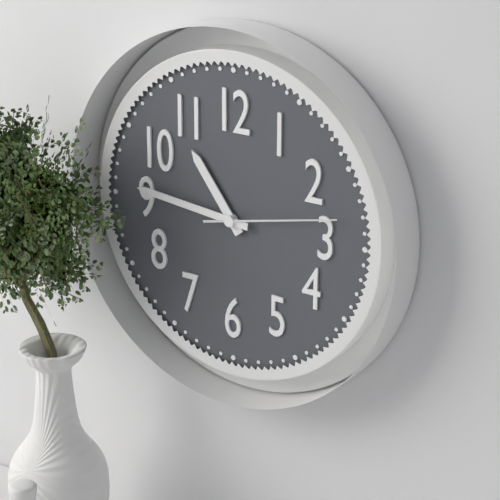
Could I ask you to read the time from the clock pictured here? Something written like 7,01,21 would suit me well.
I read 10,46,13
